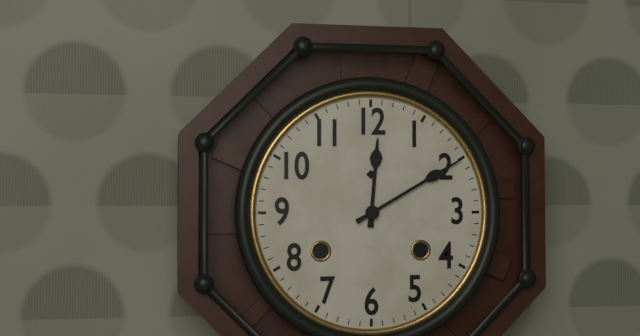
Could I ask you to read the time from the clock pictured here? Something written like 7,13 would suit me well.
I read 12,10
